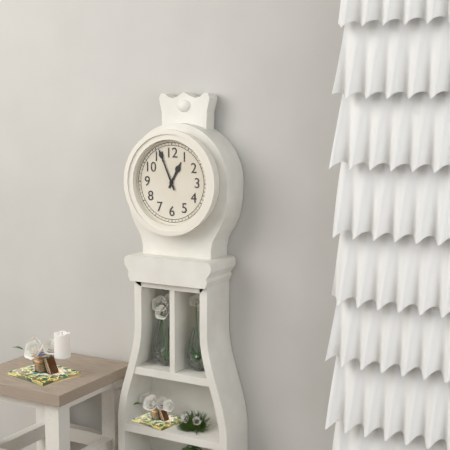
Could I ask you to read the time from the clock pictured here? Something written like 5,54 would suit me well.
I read 12,56
